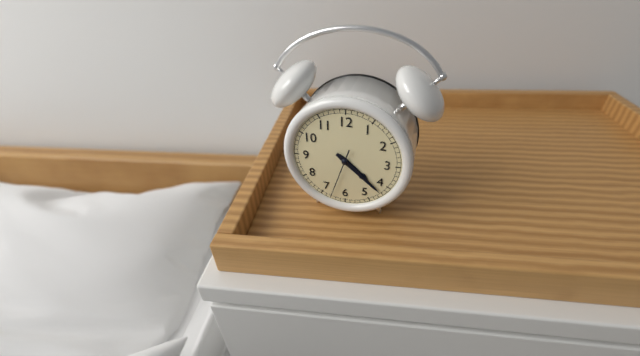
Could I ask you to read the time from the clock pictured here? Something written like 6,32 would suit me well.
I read 4,22
